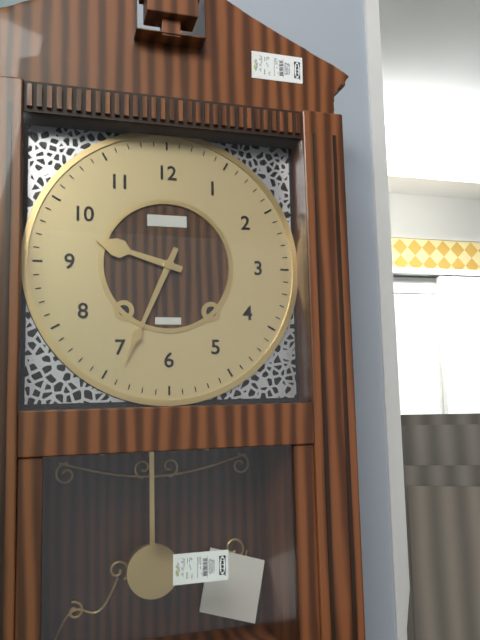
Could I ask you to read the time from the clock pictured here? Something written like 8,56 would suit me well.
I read 9,34
